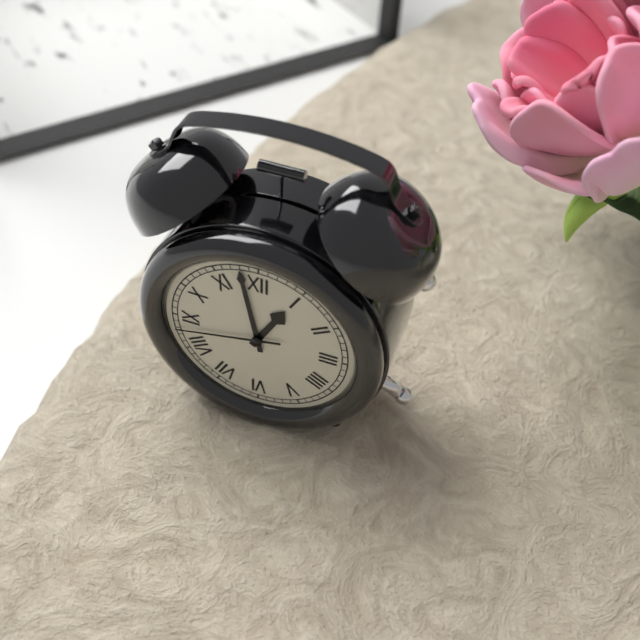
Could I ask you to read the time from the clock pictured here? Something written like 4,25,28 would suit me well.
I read 12,58,43
